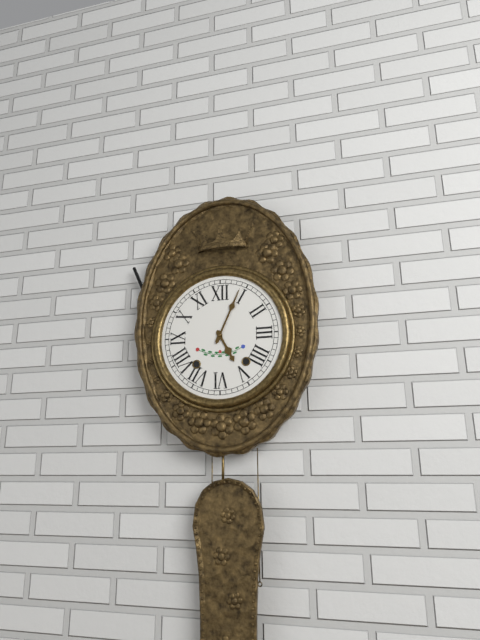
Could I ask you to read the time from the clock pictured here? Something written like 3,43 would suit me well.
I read 5,04
